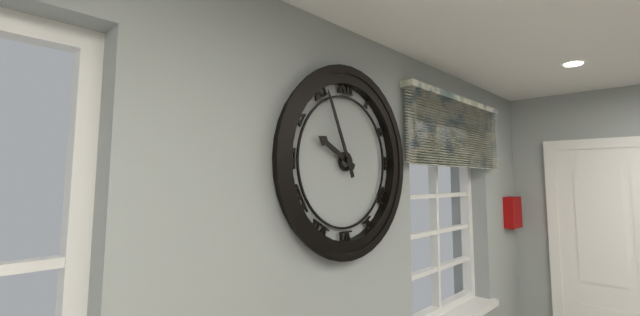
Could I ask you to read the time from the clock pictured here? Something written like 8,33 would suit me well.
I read 9,56
